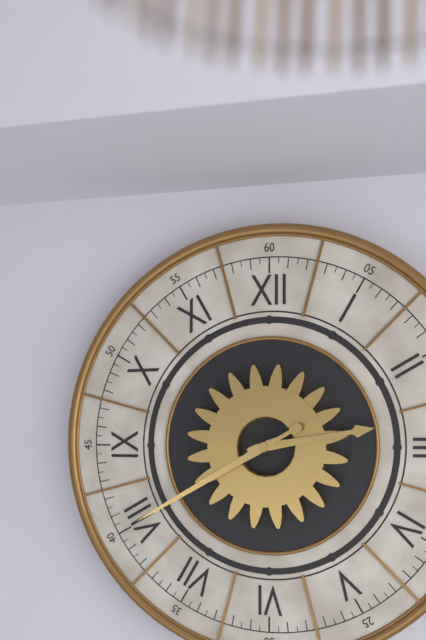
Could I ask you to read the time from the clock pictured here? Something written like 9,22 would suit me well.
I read 2,40
